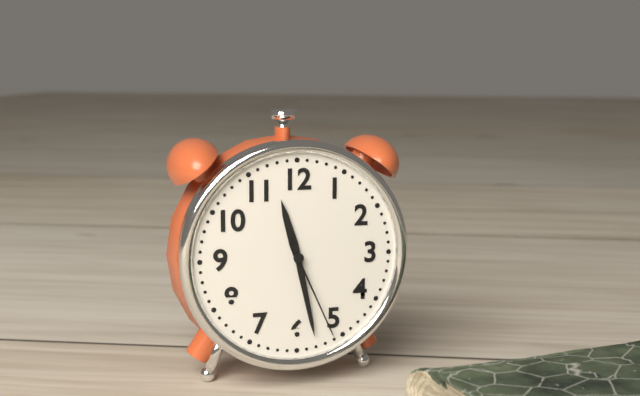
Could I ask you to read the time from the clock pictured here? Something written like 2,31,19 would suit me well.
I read 11,28,26
